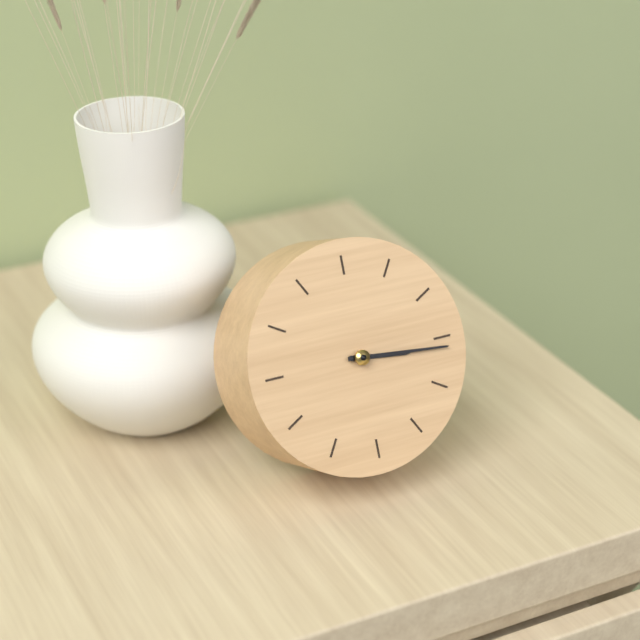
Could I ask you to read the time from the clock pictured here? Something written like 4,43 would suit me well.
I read 3,16
